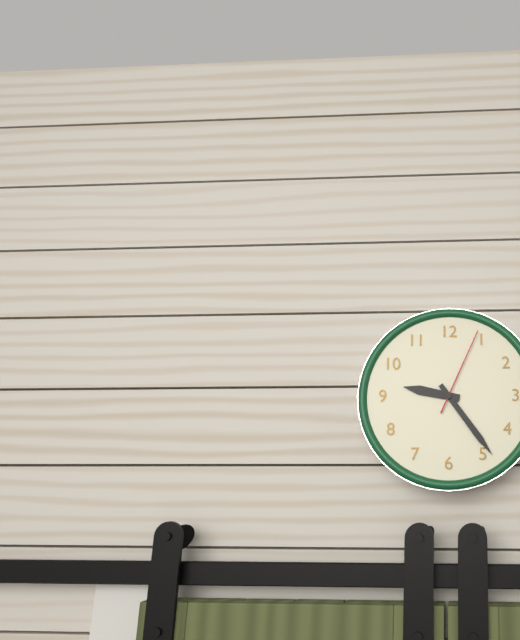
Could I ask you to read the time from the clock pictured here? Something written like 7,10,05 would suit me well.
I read 9,24,04
